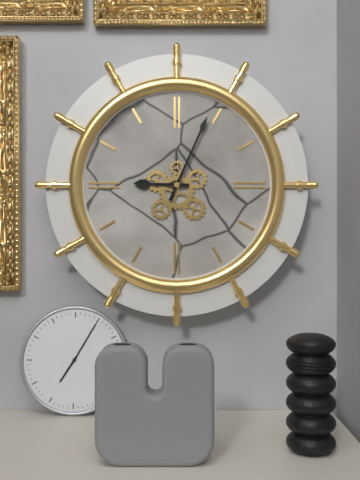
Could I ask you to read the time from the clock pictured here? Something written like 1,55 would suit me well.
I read 9,04
